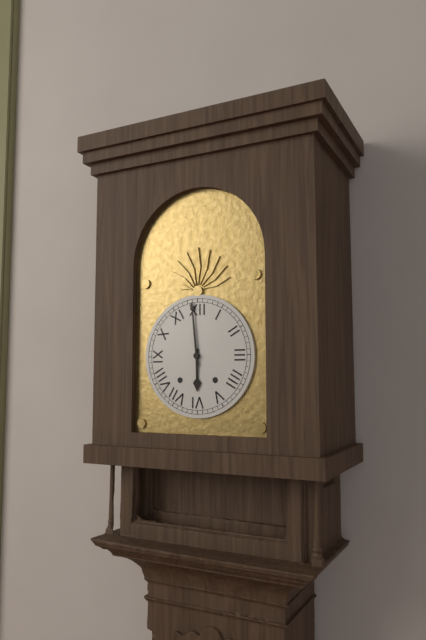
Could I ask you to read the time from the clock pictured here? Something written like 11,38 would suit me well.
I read 5,59
